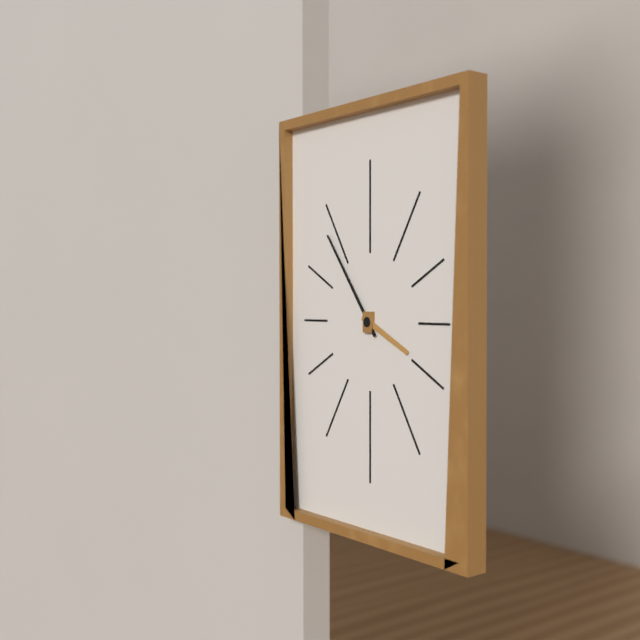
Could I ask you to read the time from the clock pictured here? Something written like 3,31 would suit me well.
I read 3,54
